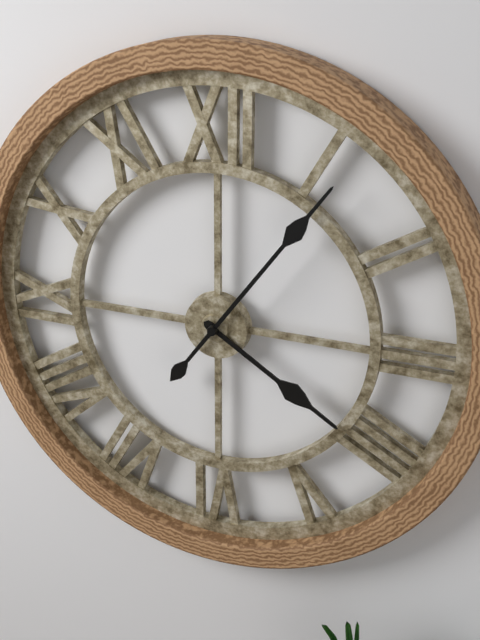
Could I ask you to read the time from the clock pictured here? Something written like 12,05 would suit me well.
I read 4,06
